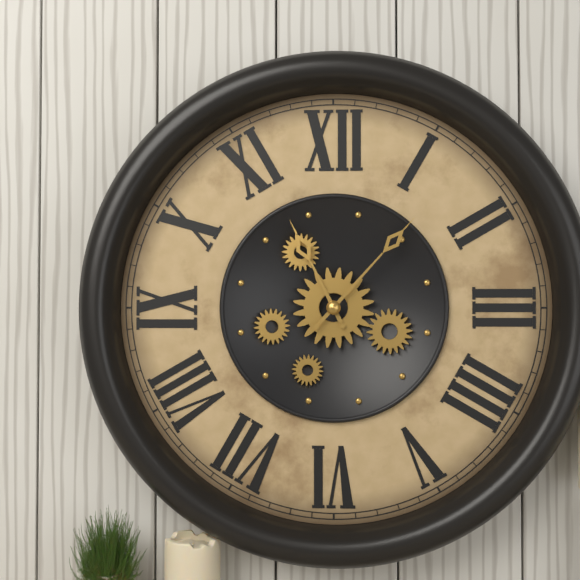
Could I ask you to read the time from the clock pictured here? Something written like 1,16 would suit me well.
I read 11,07
